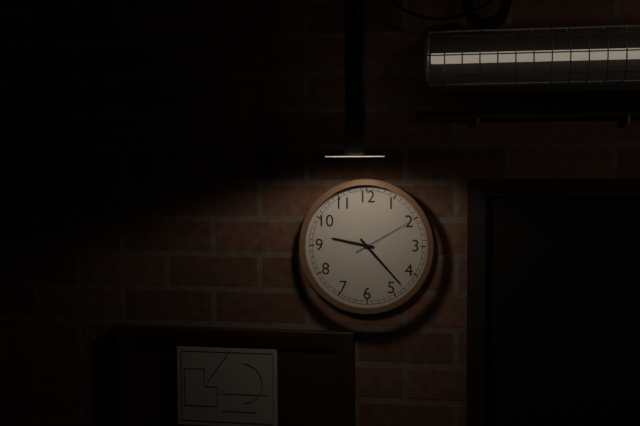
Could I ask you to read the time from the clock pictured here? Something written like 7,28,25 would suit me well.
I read 9,23,10
